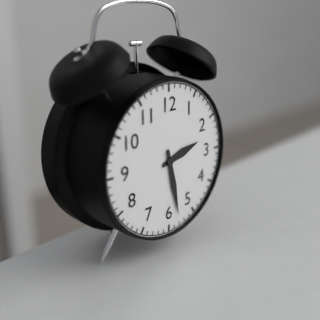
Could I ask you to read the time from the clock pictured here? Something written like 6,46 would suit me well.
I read 2,28
